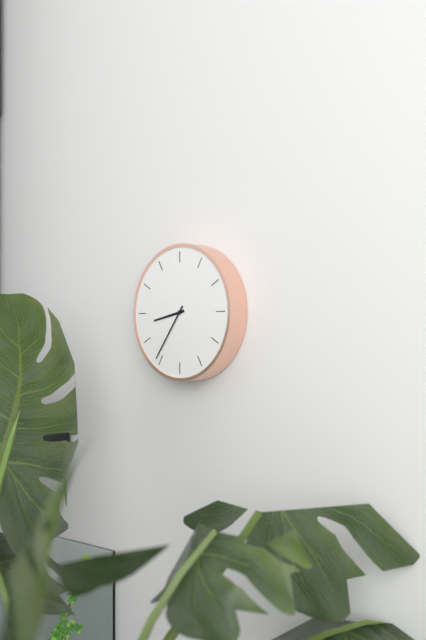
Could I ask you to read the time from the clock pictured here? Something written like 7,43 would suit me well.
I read 8,36
